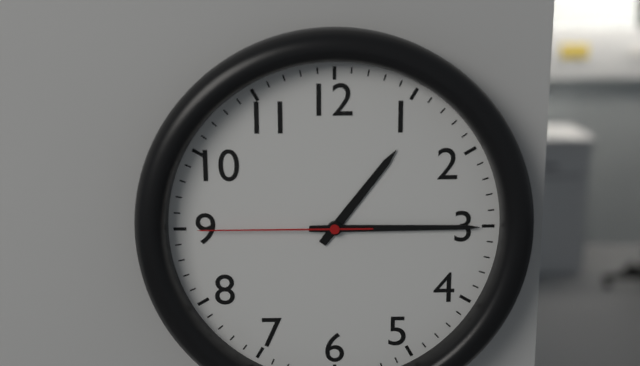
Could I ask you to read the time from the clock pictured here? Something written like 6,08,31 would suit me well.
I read 1,15,45
